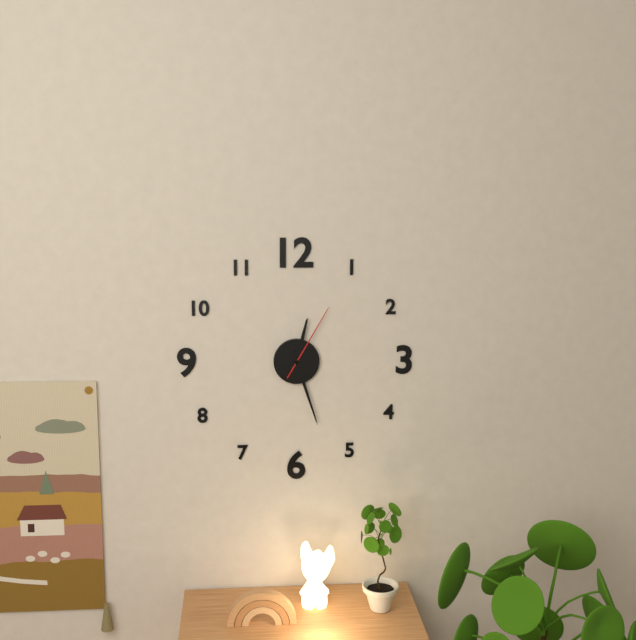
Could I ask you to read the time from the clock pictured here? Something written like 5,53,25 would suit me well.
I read 12,27,05
